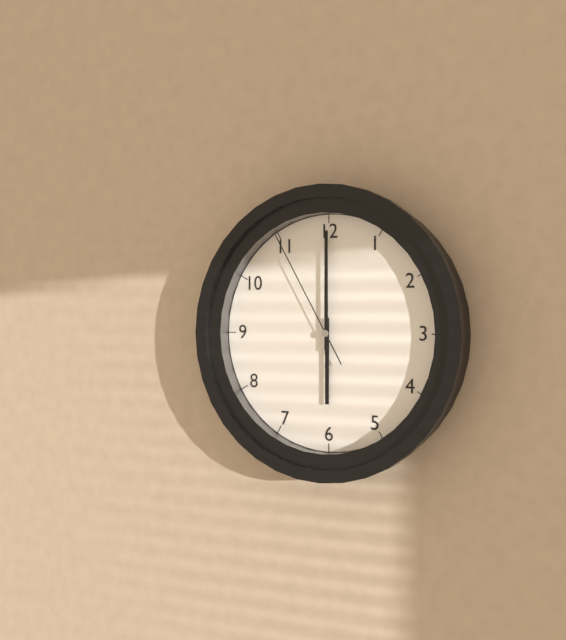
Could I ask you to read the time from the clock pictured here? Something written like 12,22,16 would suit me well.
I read 6,00,55
